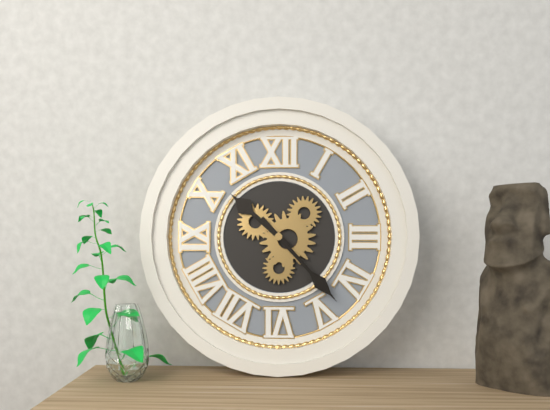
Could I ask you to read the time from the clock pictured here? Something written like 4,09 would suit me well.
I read 10,23
